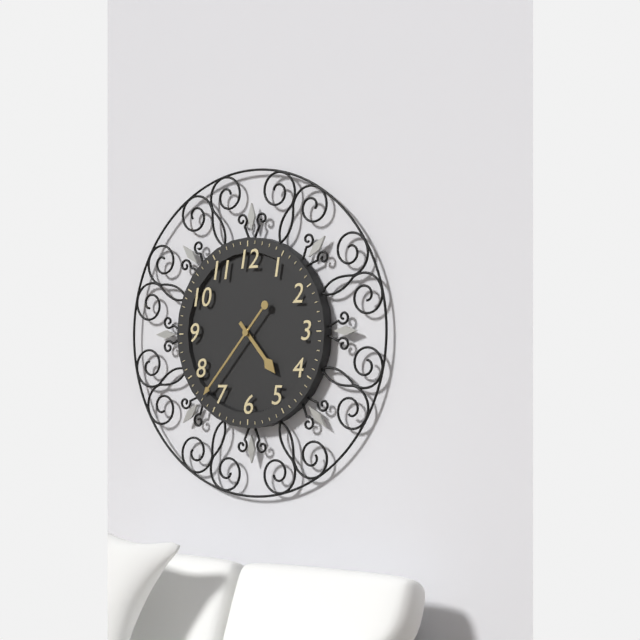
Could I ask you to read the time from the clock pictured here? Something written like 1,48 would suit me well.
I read 4,37
